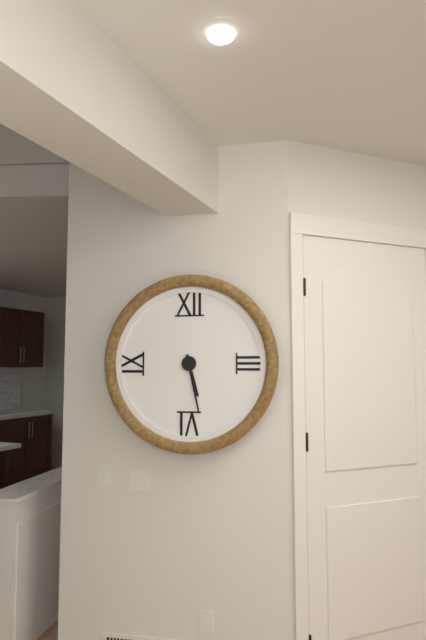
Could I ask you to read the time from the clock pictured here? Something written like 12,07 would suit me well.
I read 5,28
